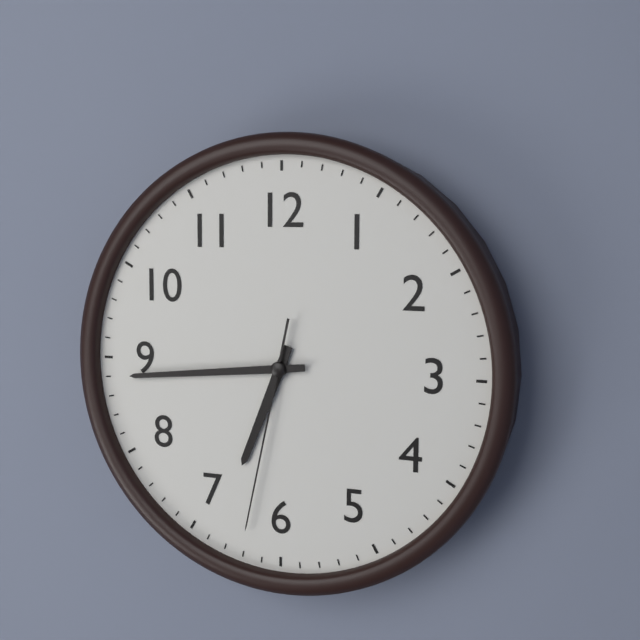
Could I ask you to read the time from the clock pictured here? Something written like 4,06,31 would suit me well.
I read 6,44,32
